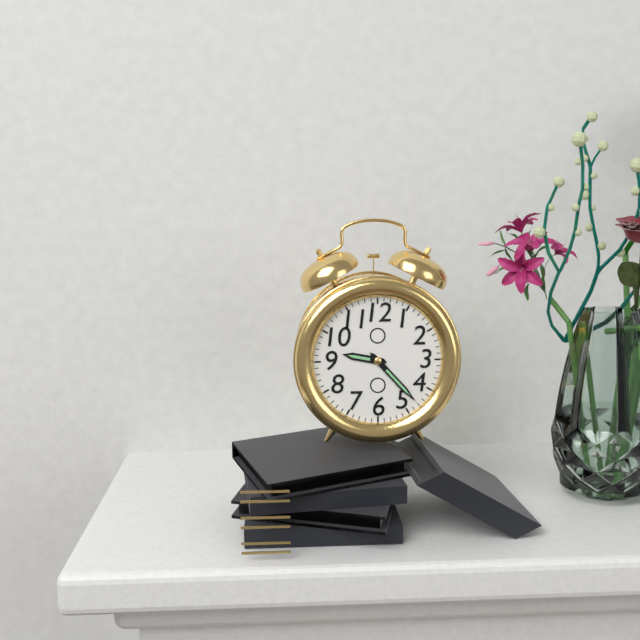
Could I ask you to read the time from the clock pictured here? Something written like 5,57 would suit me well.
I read 9,23
